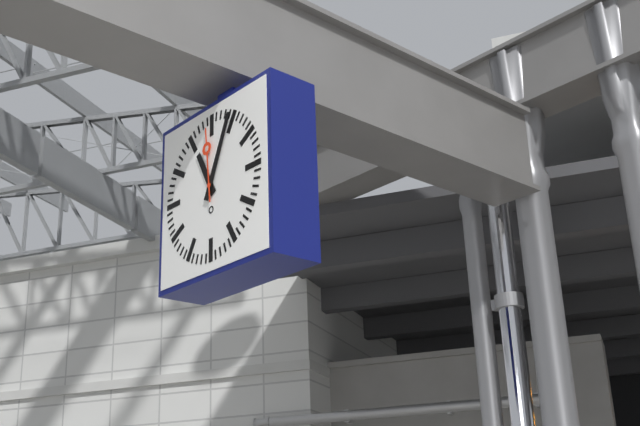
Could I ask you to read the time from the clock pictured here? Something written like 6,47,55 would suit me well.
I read 11,04,59
